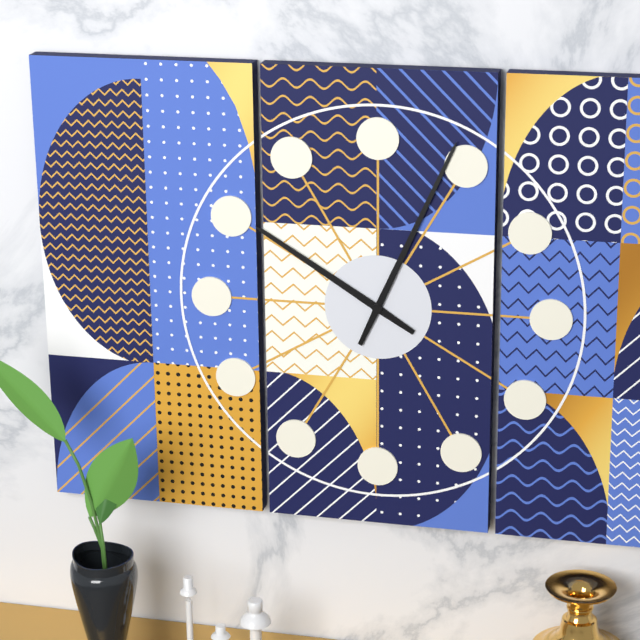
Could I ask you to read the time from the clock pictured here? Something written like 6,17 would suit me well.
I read 10,04
